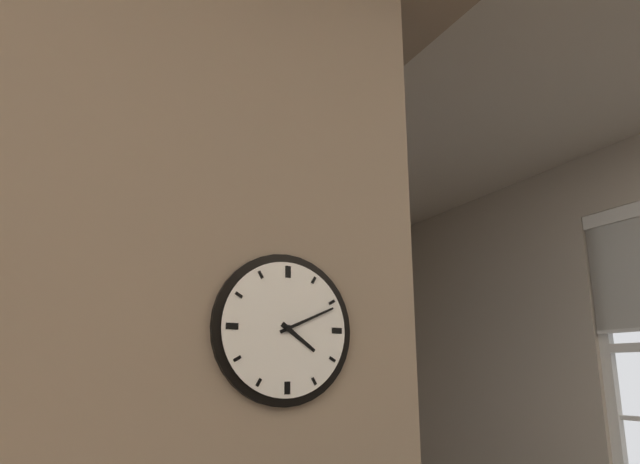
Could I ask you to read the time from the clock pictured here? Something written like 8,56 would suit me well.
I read 4,11
